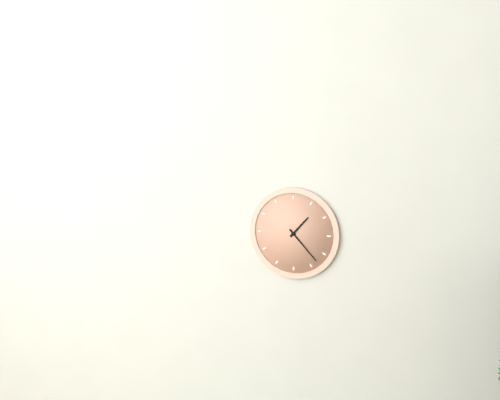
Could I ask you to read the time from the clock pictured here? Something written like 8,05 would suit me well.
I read 1,23
